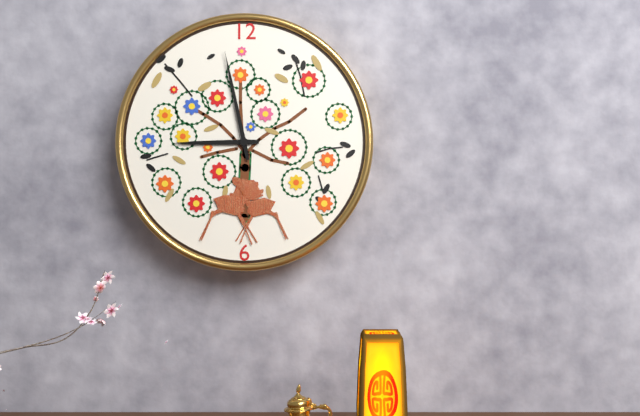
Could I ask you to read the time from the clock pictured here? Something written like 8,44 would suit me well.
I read 8,58
